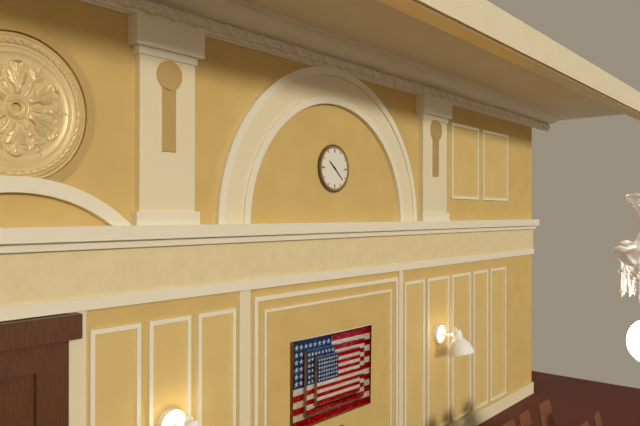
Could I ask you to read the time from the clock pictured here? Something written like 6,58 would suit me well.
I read 10,22
